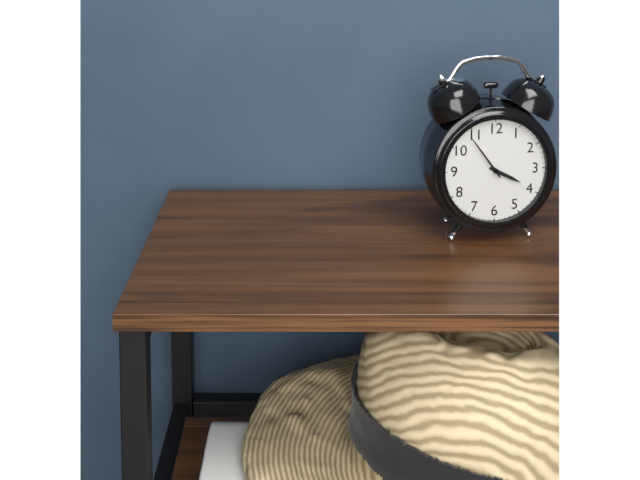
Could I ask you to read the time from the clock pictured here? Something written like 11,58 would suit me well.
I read 3,54
